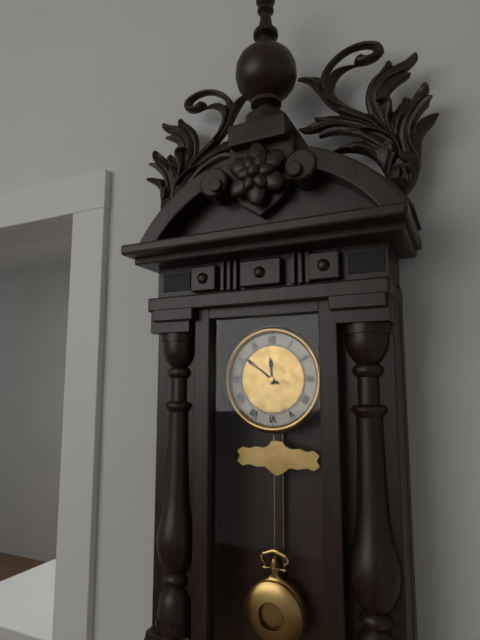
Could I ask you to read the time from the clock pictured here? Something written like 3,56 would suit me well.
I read 11,51
